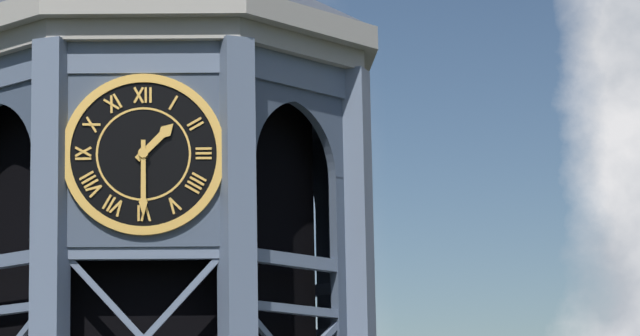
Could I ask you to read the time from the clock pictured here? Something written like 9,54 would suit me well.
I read 1,30
